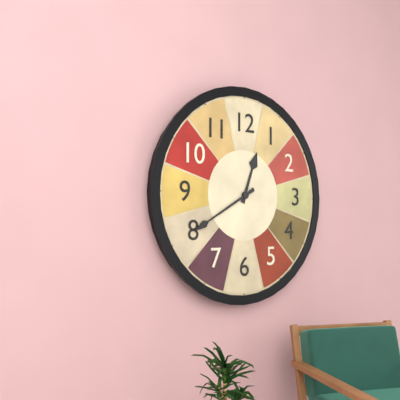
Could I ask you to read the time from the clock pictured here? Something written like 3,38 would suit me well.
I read 12,40
